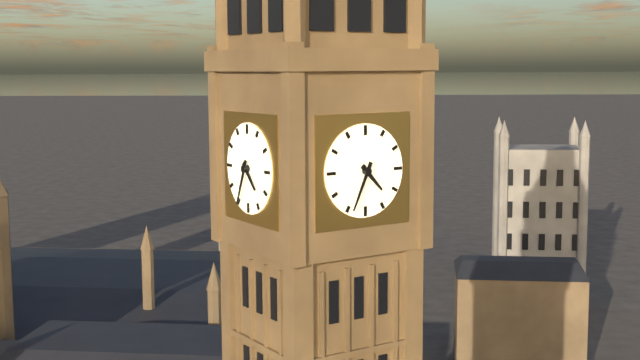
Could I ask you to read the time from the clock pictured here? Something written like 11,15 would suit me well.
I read 4,34
